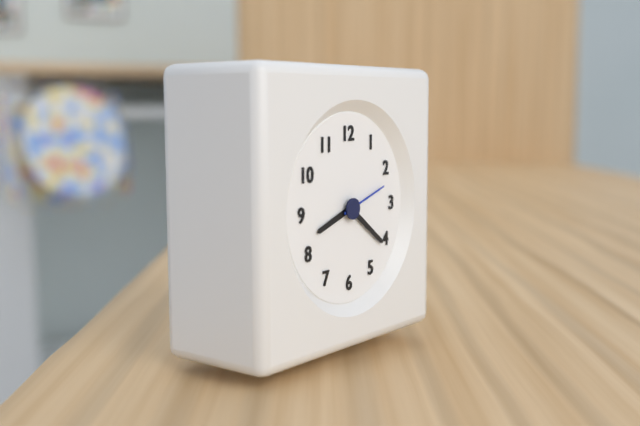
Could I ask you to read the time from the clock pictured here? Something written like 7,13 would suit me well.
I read 8,21
